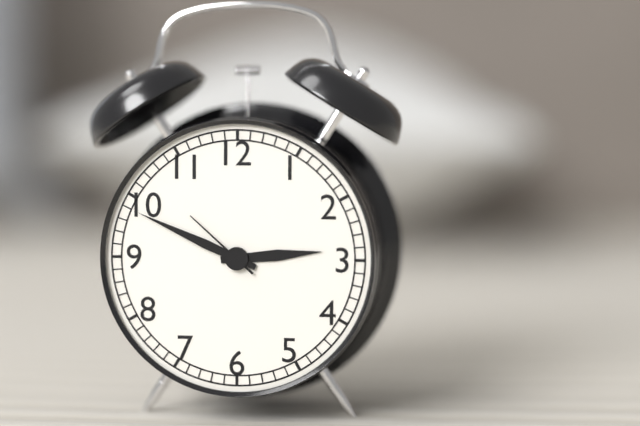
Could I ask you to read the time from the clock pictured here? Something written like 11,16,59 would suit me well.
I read 2,49,52
